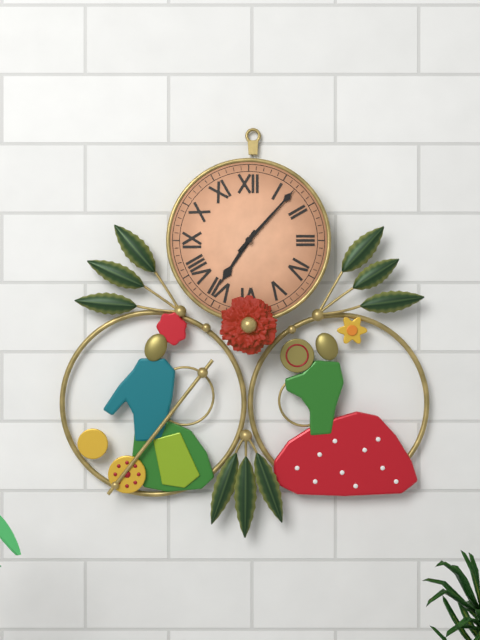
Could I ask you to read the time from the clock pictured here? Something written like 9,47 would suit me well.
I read 7,07
